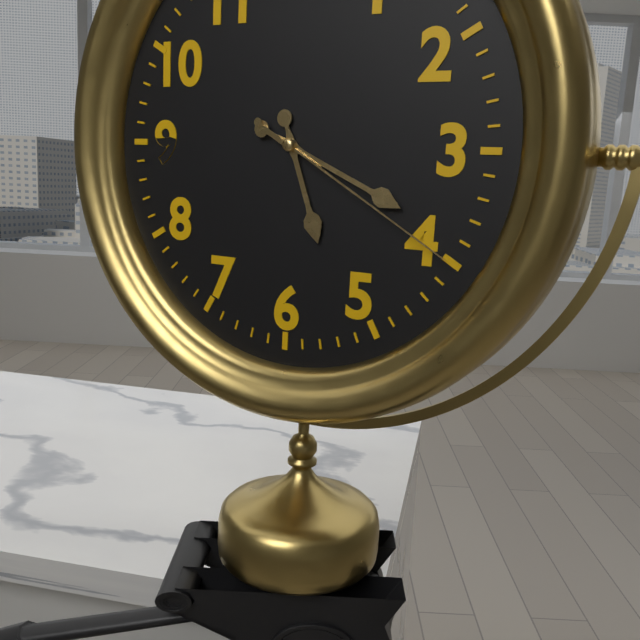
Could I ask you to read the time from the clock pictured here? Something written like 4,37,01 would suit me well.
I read 5,19,20
